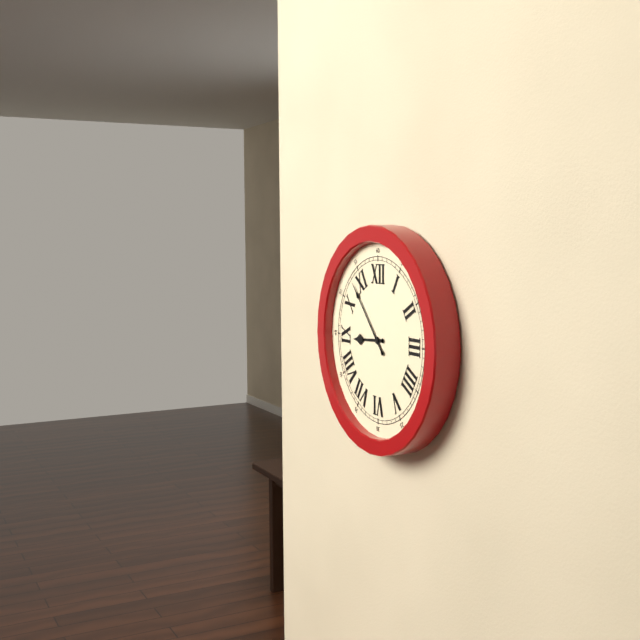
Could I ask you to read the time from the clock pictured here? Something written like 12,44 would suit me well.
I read 8,53
